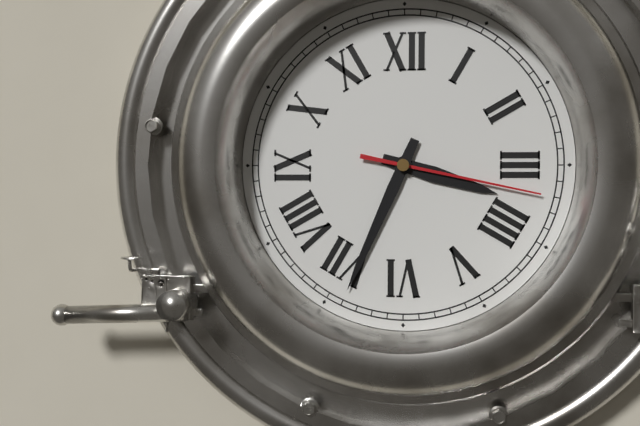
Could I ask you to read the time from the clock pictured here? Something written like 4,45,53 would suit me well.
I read 3,34,17
